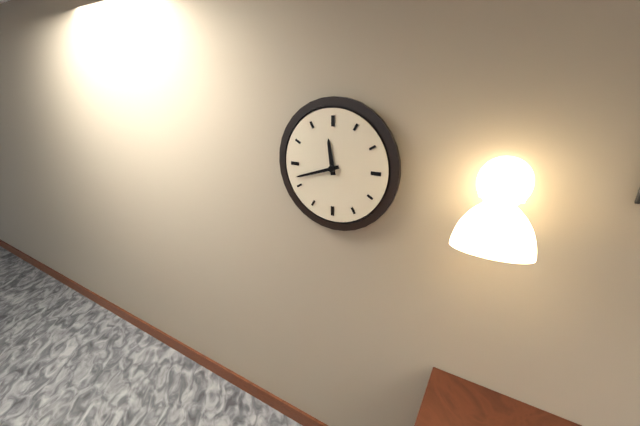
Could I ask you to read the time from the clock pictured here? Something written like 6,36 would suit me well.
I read 11,42
